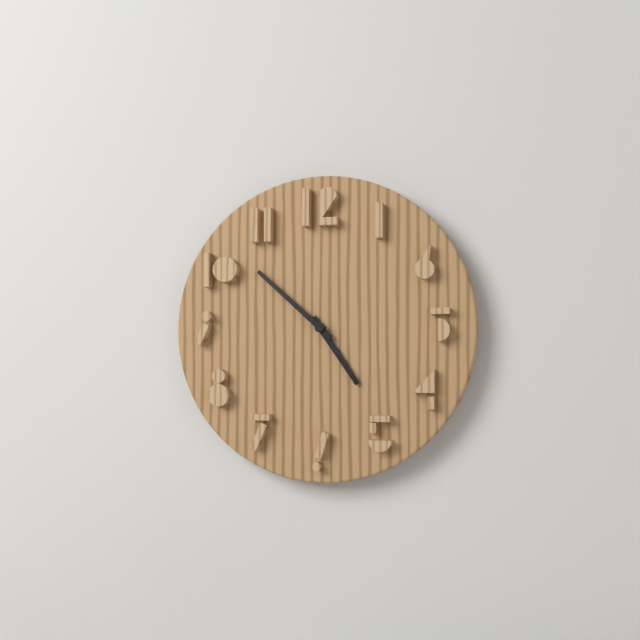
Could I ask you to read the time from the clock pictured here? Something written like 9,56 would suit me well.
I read 4,52
